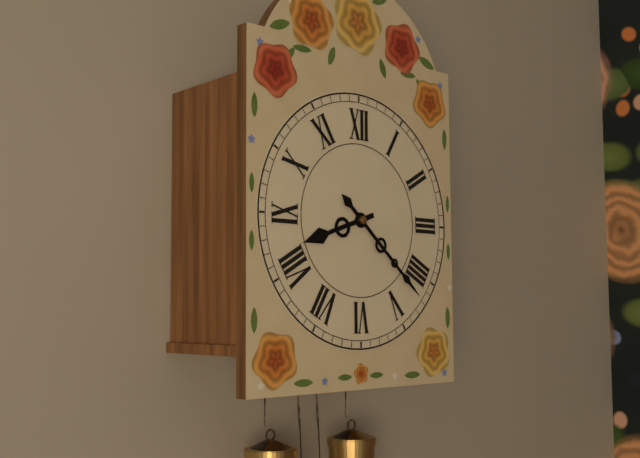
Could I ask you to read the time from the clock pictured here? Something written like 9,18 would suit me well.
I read 8,22
